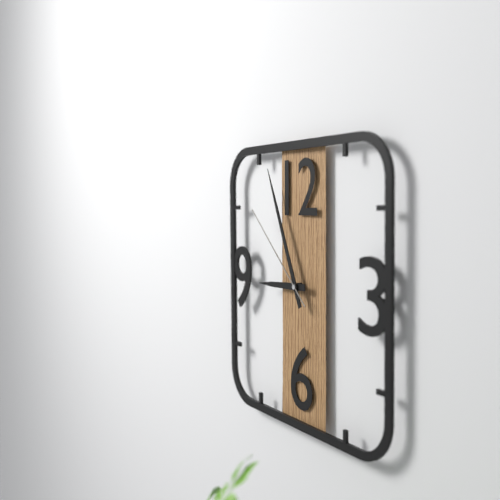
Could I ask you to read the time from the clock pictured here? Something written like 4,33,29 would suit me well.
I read 8,56,52
